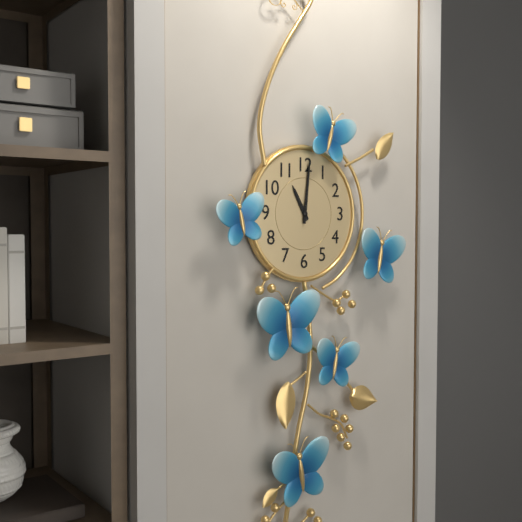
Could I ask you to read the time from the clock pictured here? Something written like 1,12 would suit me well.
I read 11,01
